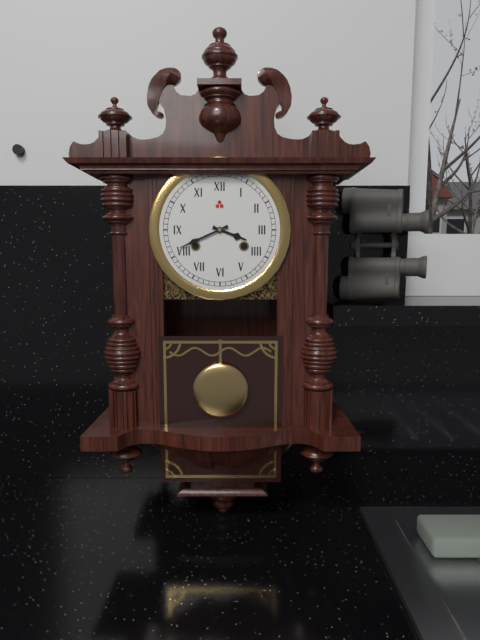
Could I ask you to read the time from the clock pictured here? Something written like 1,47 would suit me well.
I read 3,41
